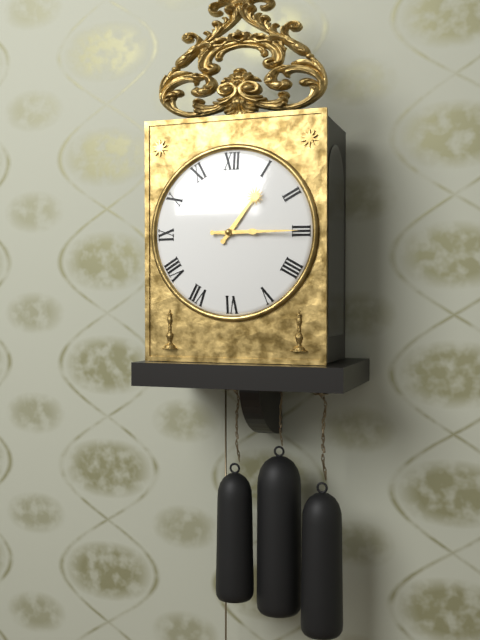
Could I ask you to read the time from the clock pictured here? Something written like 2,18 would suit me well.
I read 1,15
